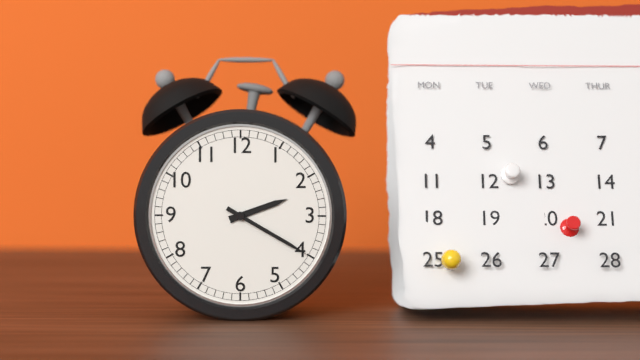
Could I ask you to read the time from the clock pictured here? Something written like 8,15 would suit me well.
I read 2,20
